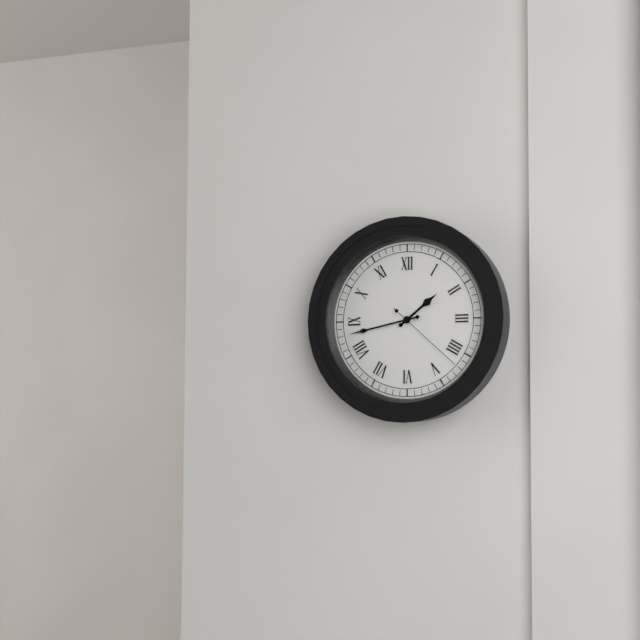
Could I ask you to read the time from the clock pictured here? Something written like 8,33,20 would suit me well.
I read 1,43,22
